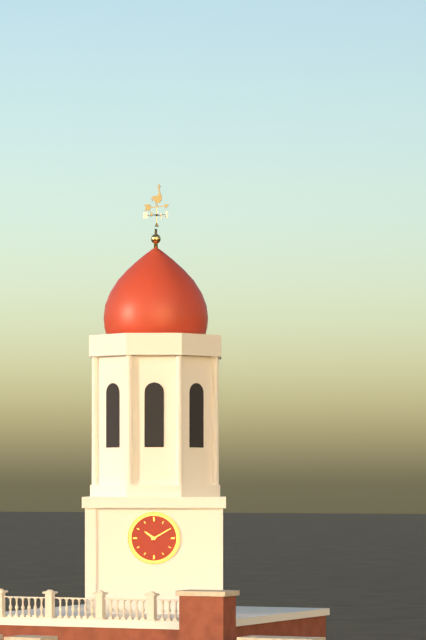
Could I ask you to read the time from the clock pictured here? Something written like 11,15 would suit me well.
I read 10,10
